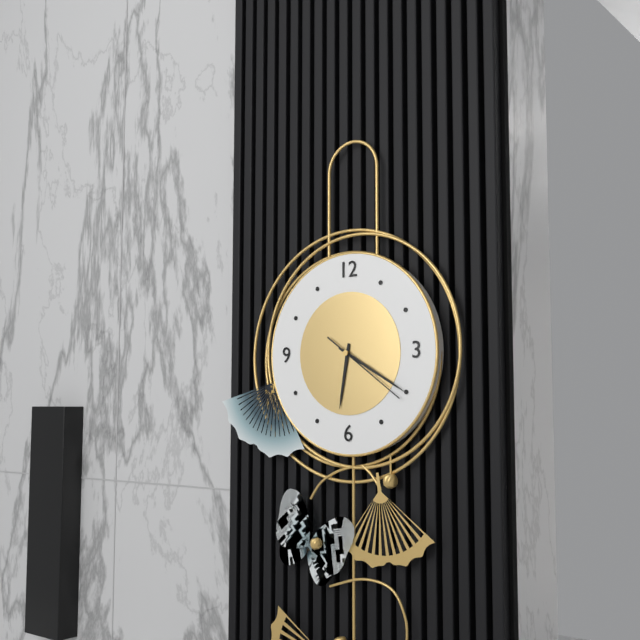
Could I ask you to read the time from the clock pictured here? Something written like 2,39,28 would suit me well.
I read 6,20,21
